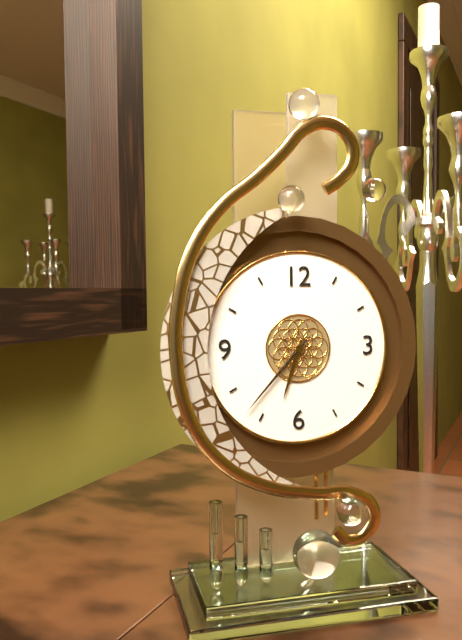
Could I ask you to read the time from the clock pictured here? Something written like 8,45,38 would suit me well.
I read 6,37,37
